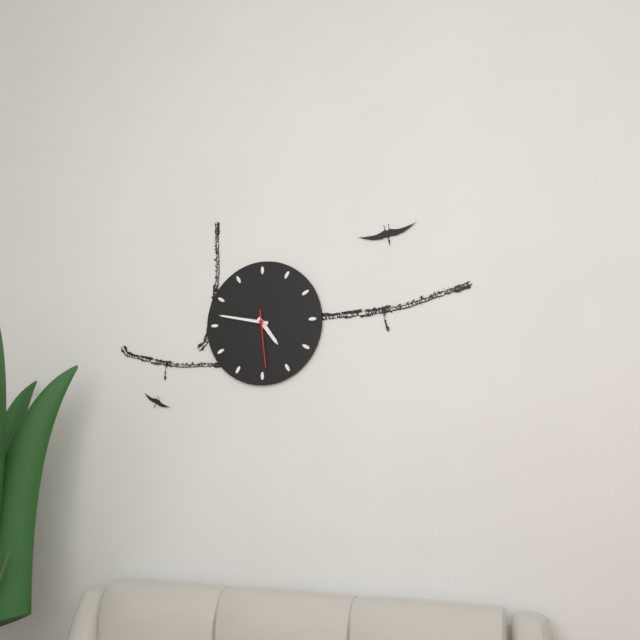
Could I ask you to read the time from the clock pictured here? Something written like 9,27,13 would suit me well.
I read 4,47,29
